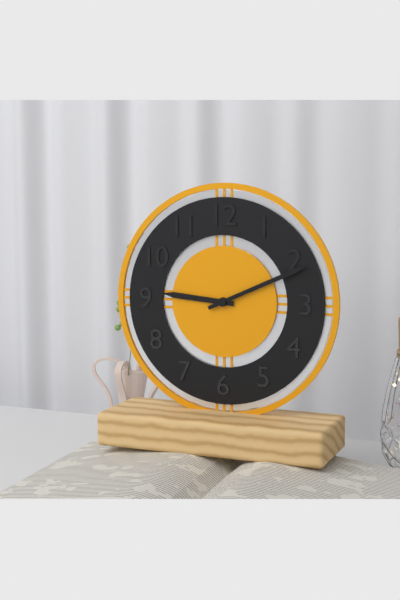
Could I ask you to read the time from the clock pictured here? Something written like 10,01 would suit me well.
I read 9,11
